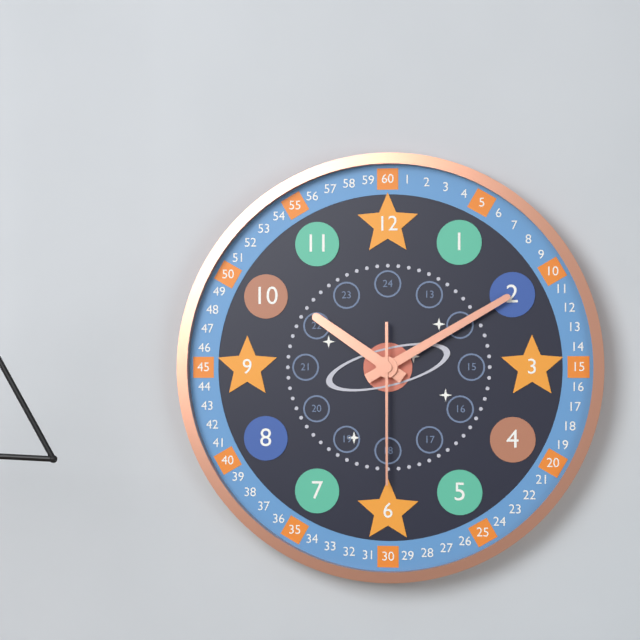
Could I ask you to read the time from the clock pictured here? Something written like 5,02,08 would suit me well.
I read 10,10,30
